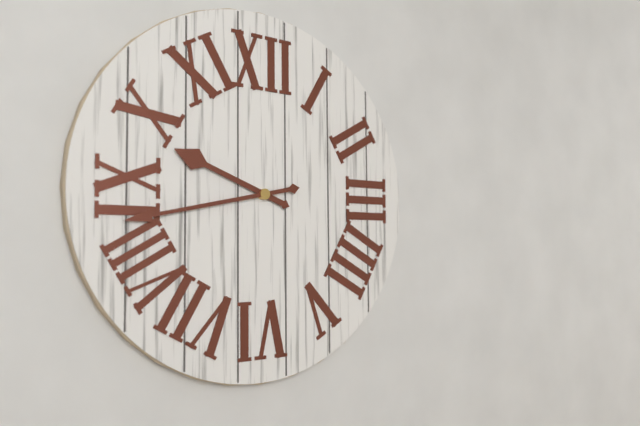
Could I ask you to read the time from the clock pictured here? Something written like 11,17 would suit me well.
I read 9,43
